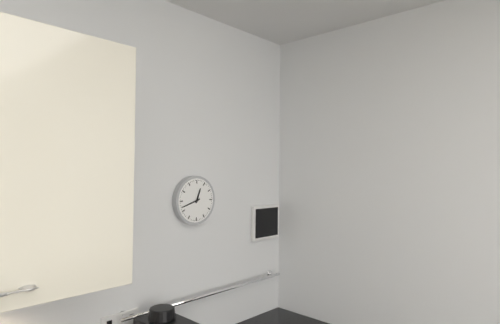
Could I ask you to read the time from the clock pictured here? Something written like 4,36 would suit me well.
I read 12,42
